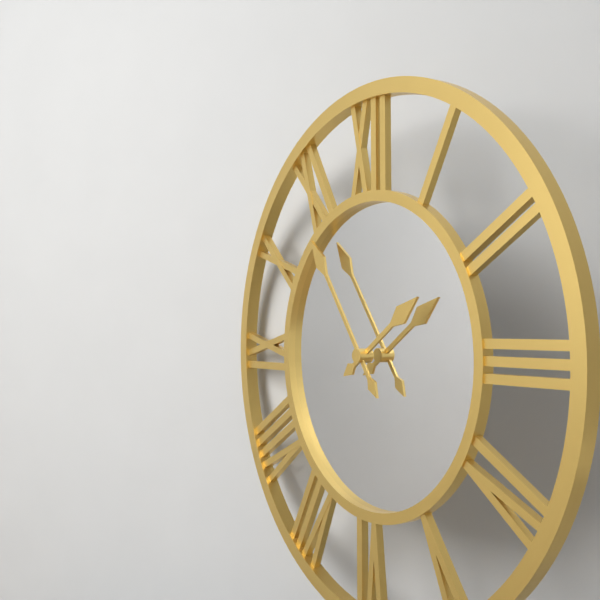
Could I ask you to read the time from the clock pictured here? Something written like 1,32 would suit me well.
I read 1,54
